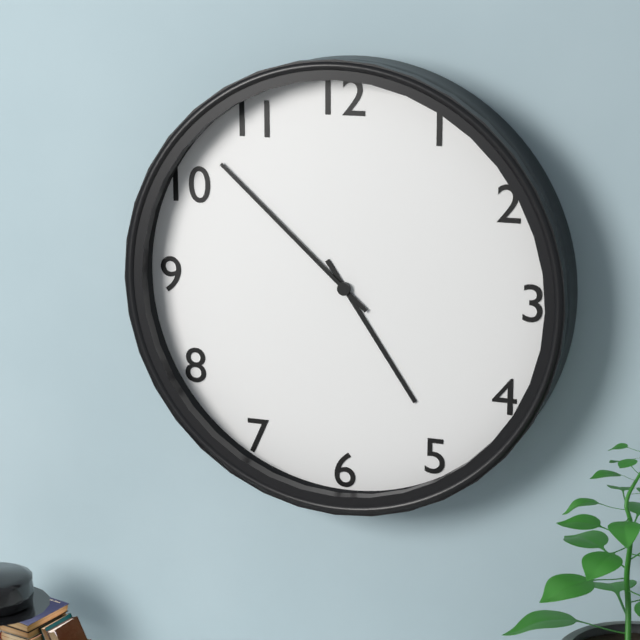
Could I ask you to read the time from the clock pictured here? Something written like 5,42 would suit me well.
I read 4,52
